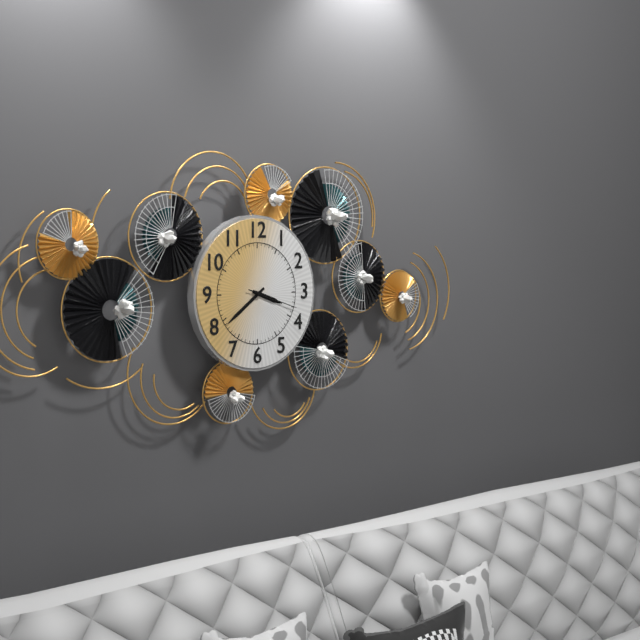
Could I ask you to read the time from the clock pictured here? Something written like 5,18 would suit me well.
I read 3,39
